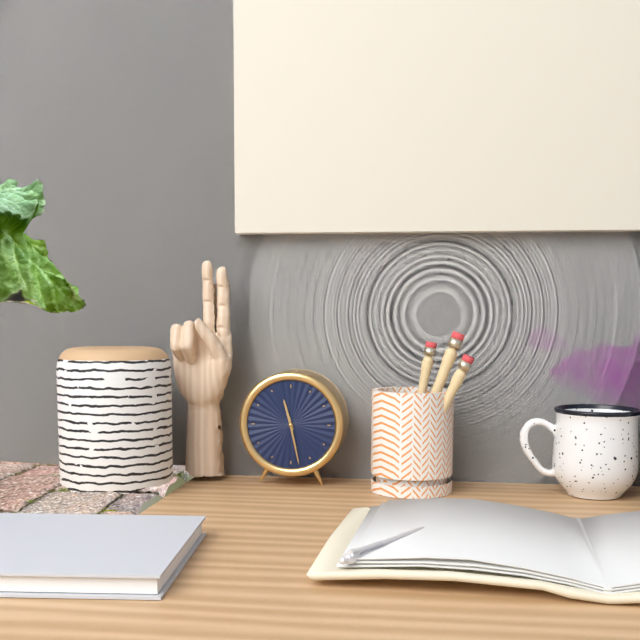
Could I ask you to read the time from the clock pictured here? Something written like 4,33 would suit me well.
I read 11,28
